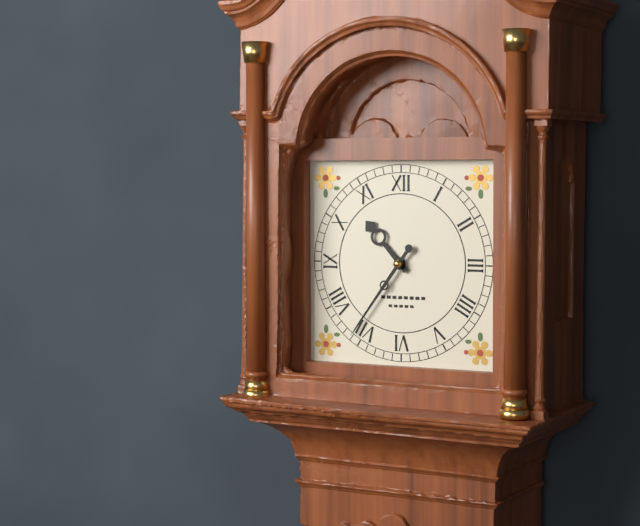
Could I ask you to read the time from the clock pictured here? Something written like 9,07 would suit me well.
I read 10,36
